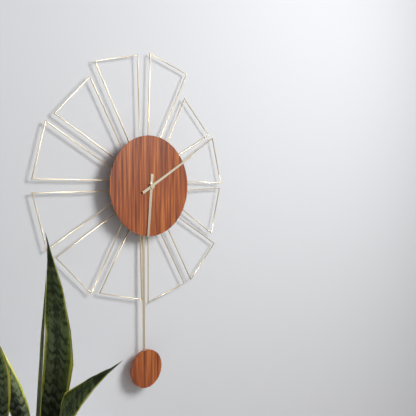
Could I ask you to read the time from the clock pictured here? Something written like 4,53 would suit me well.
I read 6,10
